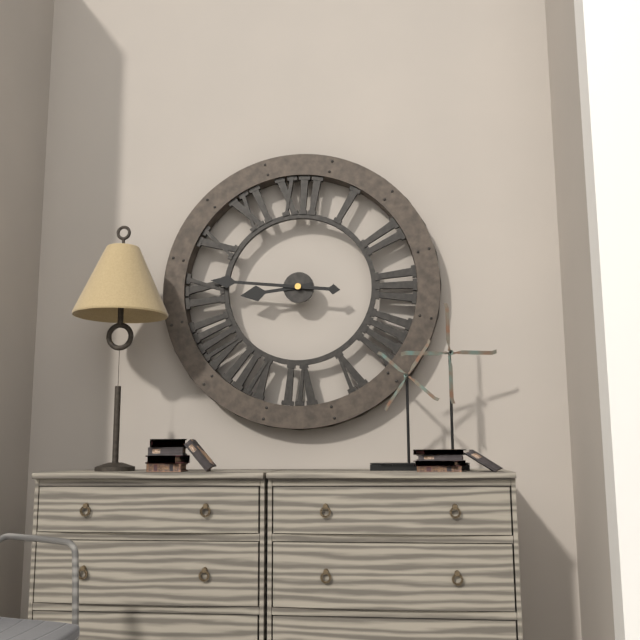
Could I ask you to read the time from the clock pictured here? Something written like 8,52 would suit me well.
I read 8,46
